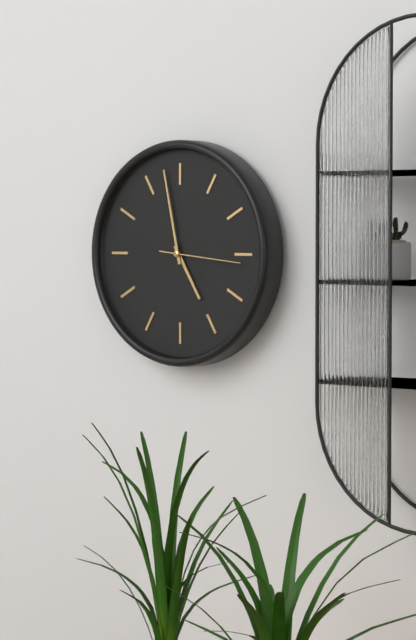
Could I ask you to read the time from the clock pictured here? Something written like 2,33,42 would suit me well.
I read 4,58,16
